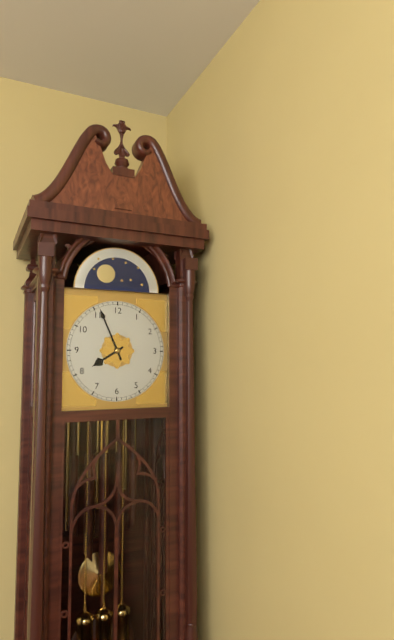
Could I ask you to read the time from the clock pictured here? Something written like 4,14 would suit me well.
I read 7,56
